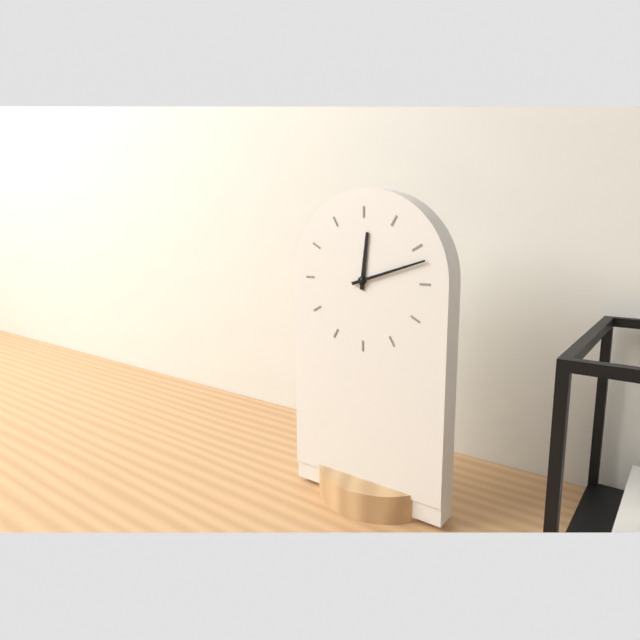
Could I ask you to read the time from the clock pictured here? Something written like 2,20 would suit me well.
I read 12,12
